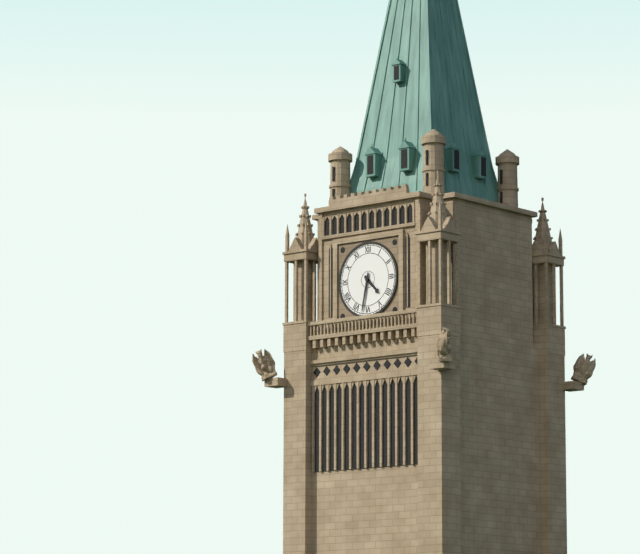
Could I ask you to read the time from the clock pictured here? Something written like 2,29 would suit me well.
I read 4,32
